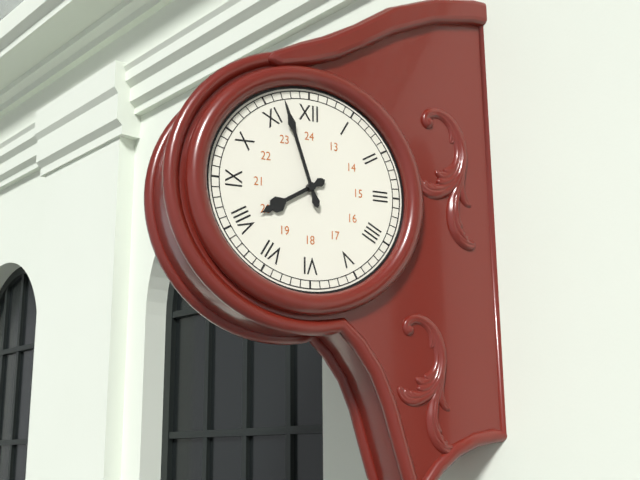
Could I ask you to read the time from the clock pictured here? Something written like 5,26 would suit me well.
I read 7,57
